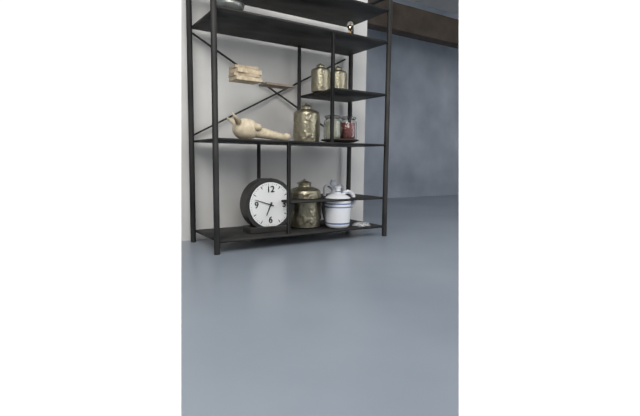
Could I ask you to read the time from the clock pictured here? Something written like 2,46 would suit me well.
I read 6,48
